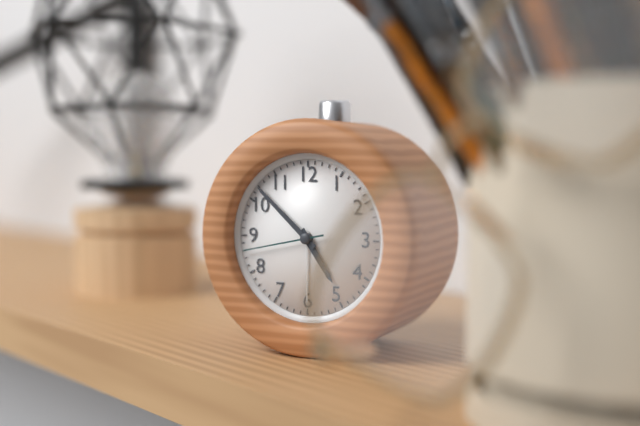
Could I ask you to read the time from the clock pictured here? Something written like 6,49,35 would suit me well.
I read 4,52,43
